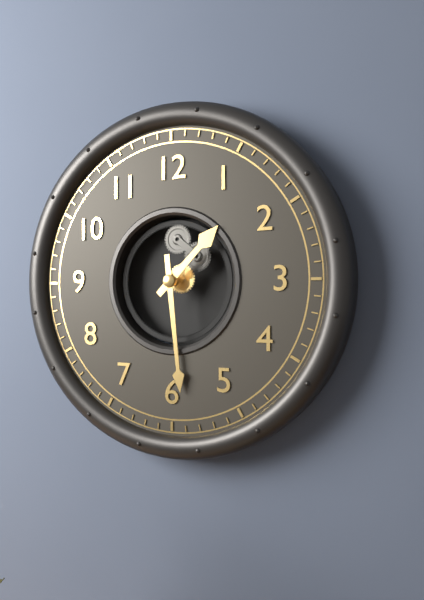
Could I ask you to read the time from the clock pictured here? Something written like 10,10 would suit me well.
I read 1,29
